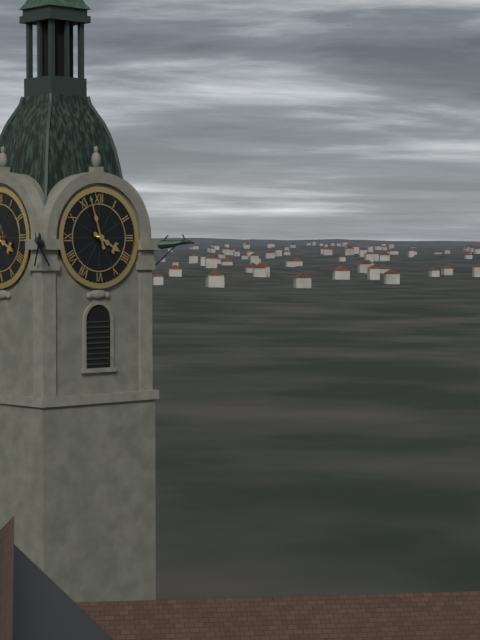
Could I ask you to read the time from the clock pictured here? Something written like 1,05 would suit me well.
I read 3,57
